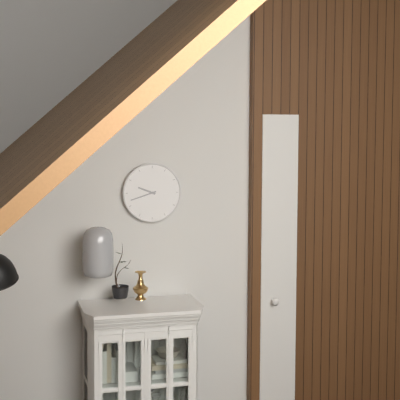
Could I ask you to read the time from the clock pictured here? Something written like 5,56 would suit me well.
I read 9,42
